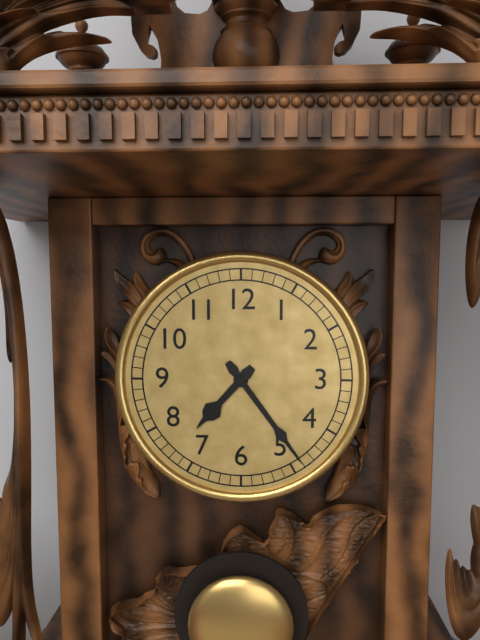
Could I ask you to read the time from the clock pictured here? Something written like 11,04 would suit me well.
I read 7,24
